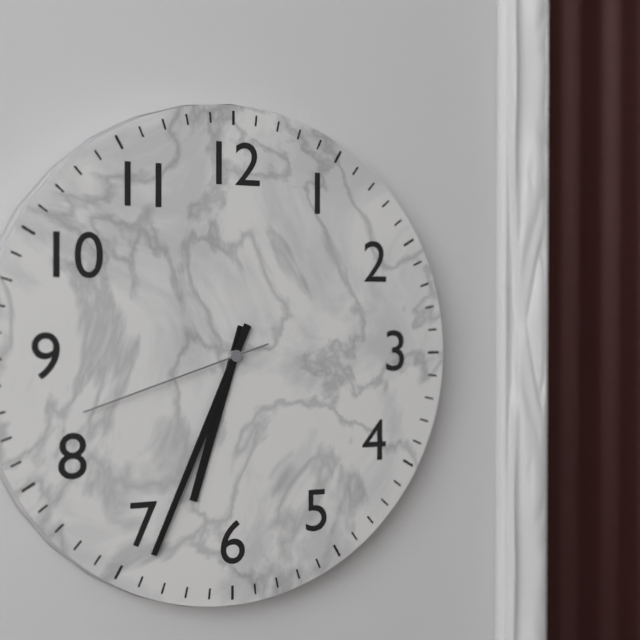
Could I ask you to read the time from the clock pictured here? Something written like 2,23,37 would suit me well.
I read 6,34,42
